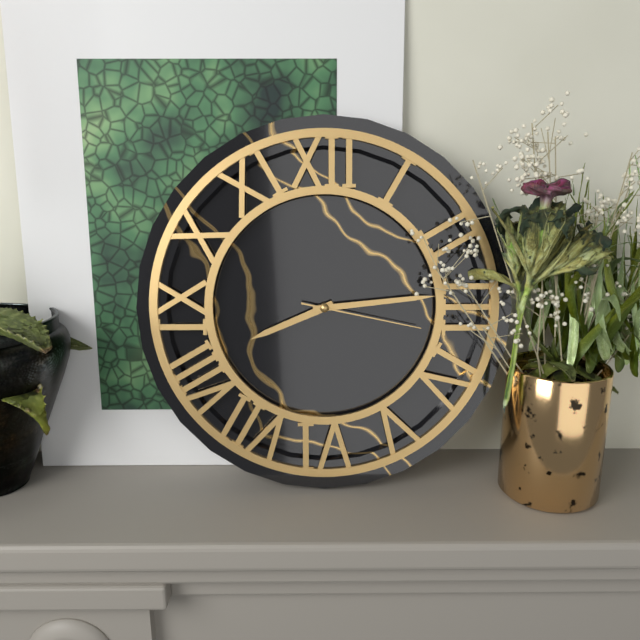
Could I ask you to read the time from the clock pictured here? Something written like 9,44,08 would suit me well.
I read 8,14,17
